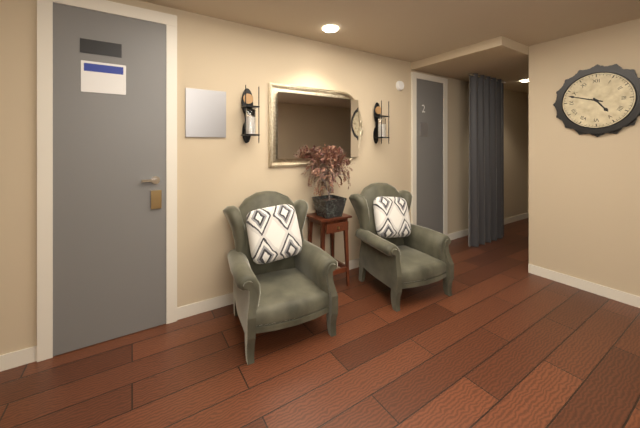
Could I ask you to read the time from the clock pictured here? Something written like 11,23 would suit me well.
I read 4,48
